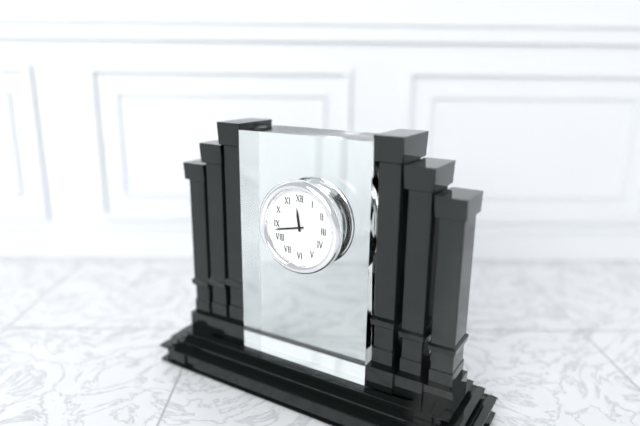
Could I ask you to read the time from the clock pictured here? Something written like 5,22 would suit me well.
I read 11,43
